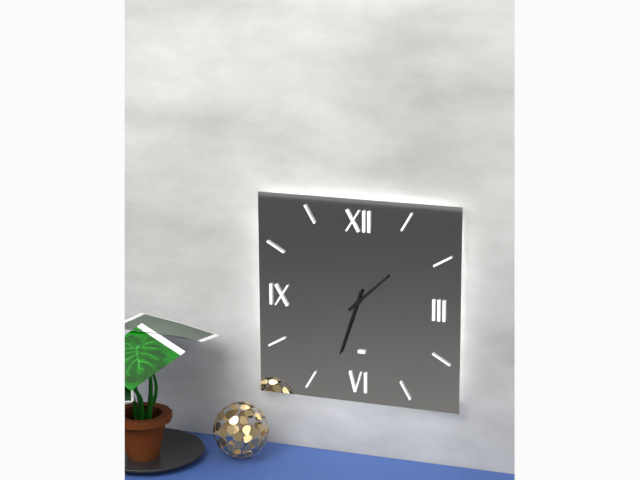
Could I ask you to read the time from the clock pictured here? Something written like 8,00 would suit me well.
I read 1,33
